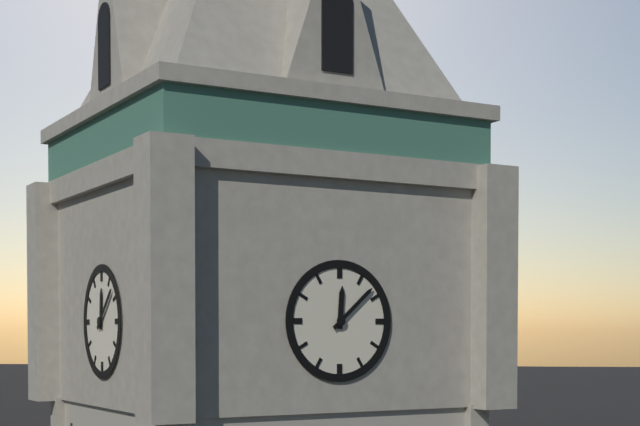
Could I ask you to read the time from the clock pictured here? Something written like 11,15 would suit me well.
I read 12,08
